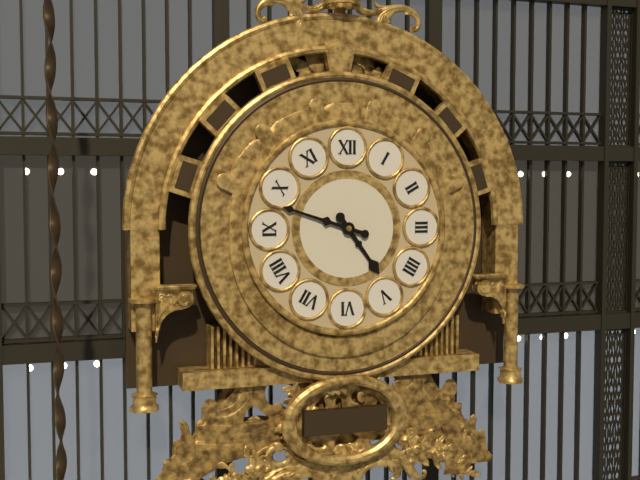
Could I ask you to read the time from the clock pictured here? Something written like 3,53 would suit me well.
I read 4,48
